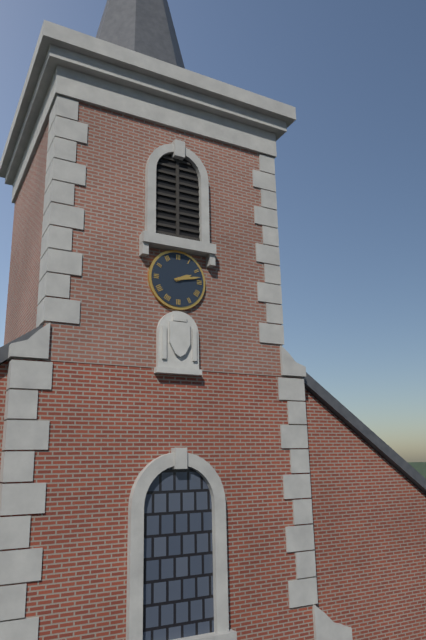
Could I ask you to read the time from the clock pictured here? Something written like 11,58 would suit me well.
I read 2,13
